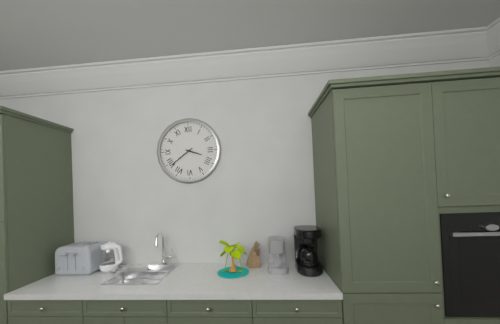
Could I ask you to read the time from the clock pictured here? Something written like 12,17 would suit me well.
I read 3,39
